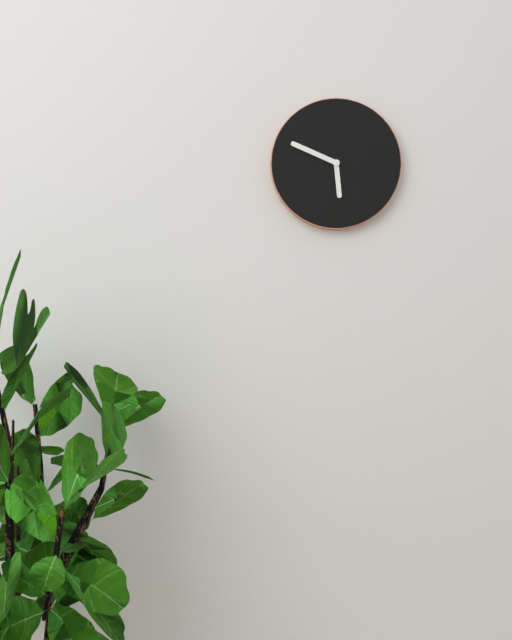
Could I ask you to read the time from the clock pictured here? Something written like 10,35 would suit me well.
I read 5,49
